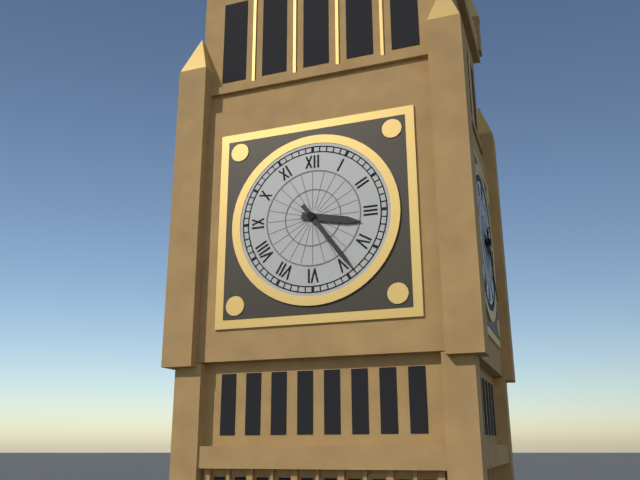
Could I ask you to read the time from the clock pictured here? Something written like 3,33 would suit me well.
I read 3,24
